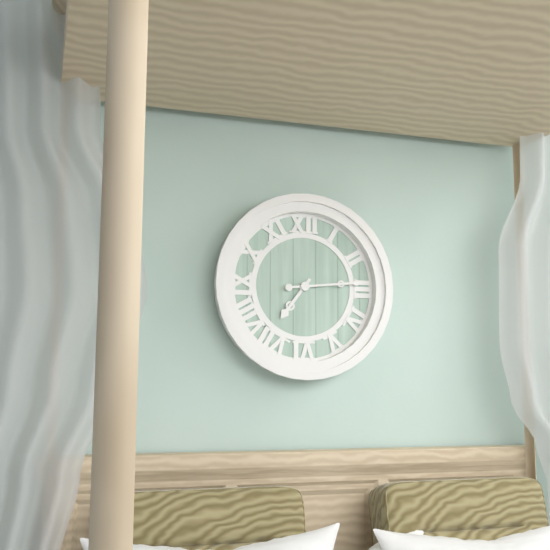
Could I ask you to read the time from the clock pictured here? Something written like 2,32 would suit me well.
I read 7,14
